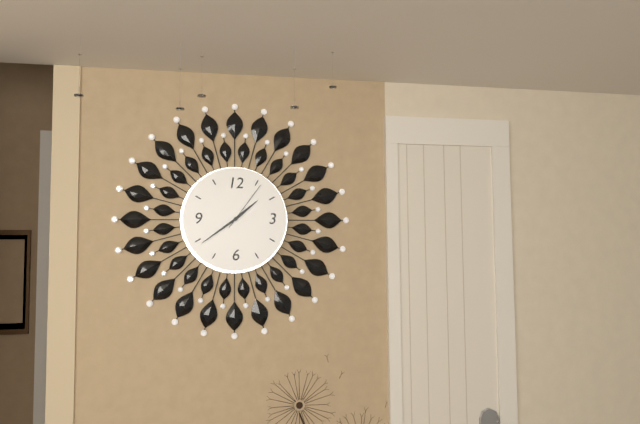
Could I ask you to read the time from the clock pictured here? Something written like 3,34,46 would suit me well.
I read 1,39,06
